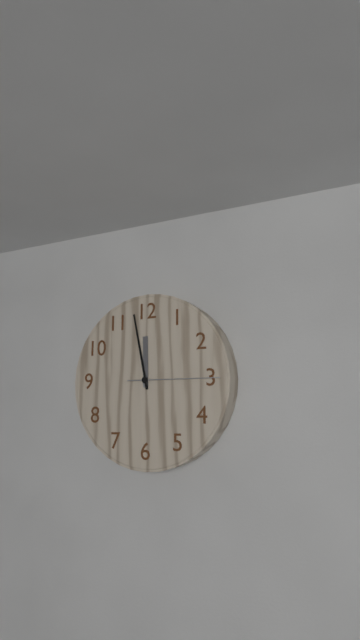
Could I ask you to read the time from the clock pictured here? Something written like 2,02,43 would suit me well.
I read 11,58,15
